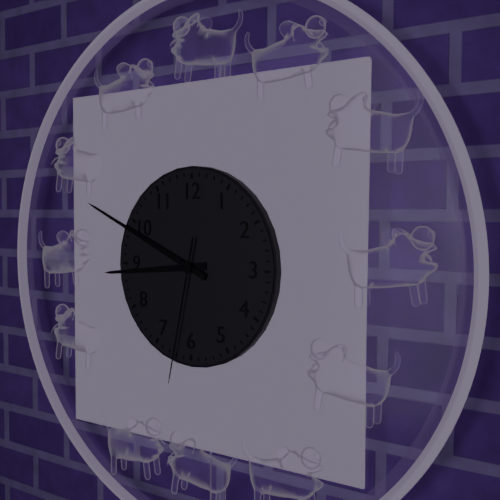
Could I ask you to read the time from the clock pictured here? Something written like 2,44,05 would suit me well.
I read 8,49,32
